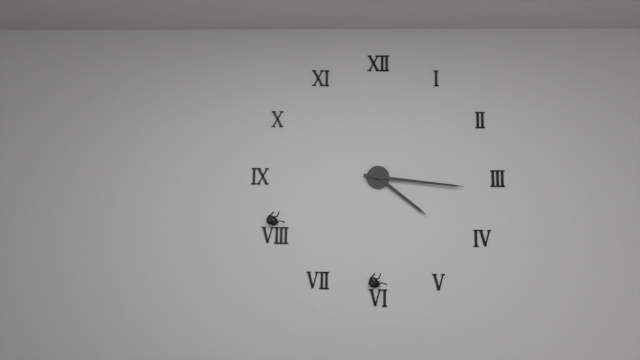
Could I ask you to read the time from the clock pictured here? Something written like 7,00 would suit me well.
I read 4,16
